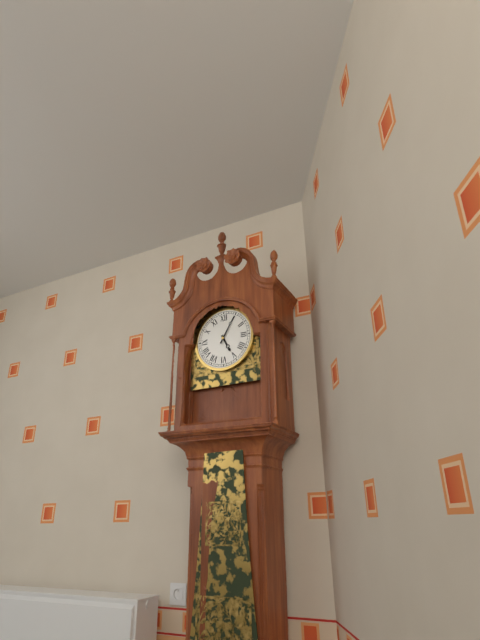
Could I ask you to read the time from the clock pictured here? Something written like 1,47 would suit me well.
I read 5,05
